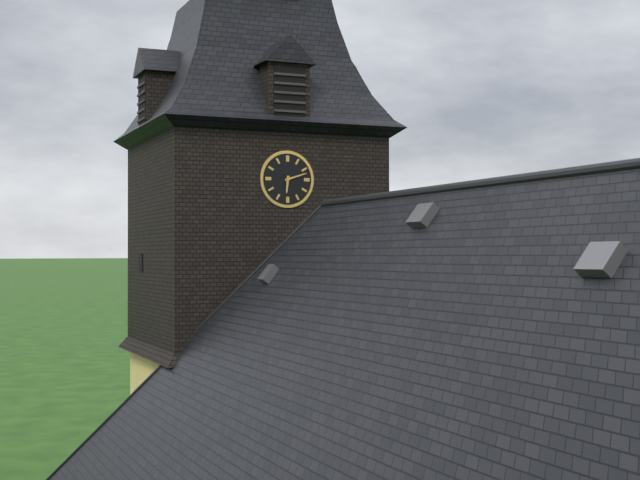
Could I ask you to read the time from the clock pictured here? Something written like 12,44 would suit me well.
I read 6,12
